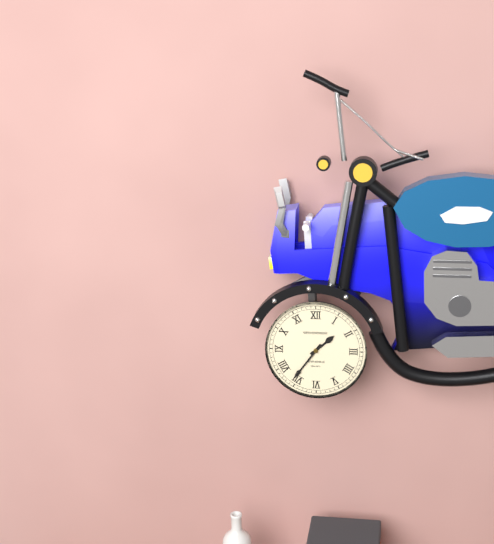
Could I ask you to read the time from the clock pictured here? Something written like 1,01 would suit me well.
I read 1,36
